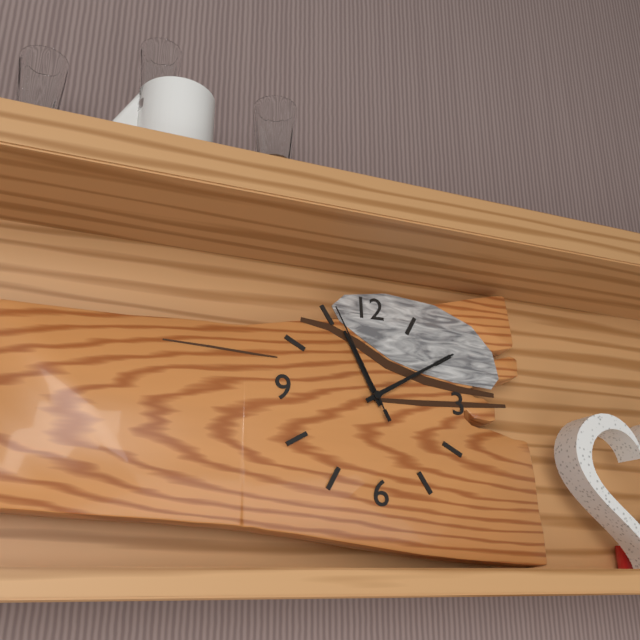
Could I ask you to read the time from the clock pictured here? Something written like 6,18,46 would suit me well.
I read 11,10,56
